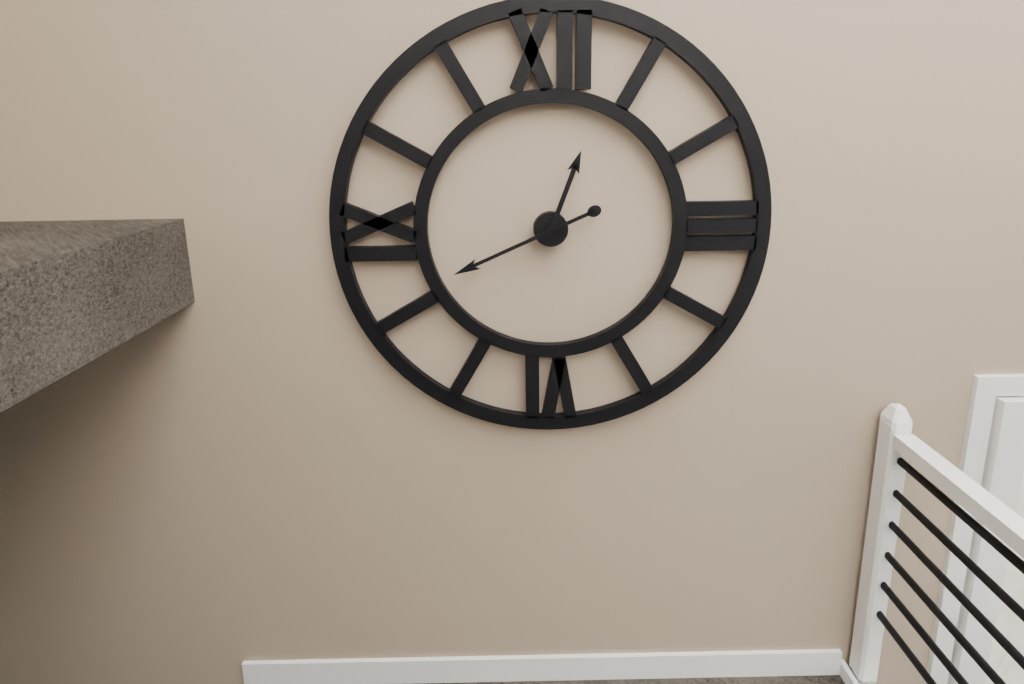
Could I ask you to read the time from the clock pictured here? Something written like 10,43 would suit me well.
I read 12,41
